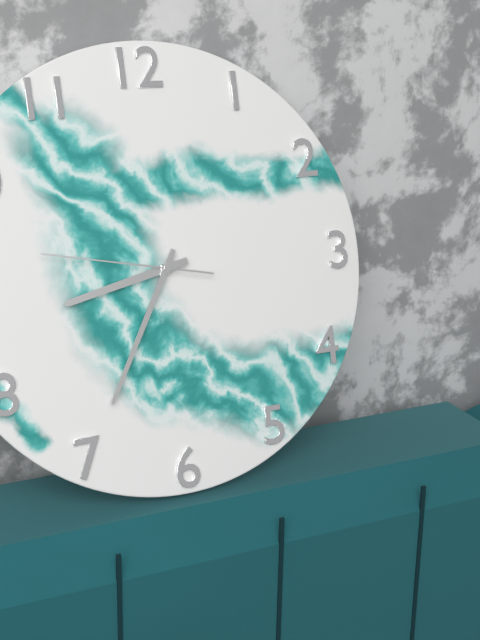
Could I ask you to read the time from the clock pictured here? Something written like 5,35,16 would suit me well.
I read 8,35,47
